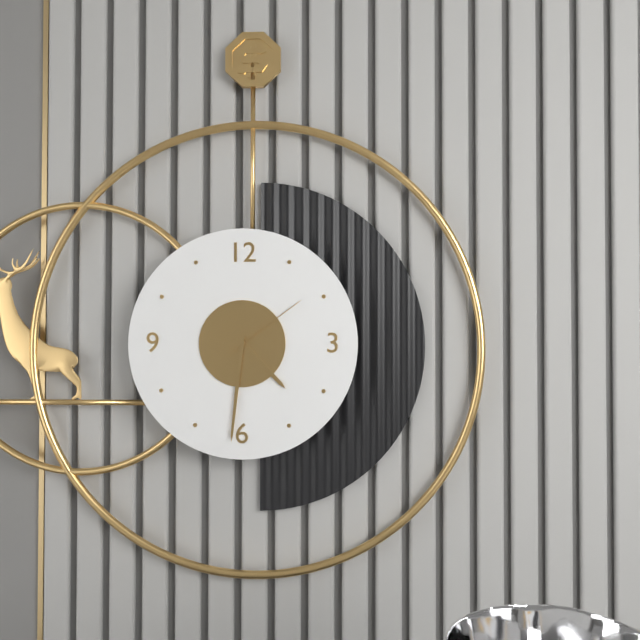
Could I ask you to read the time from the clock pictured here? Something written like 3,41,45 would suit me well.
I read 4,31,09
